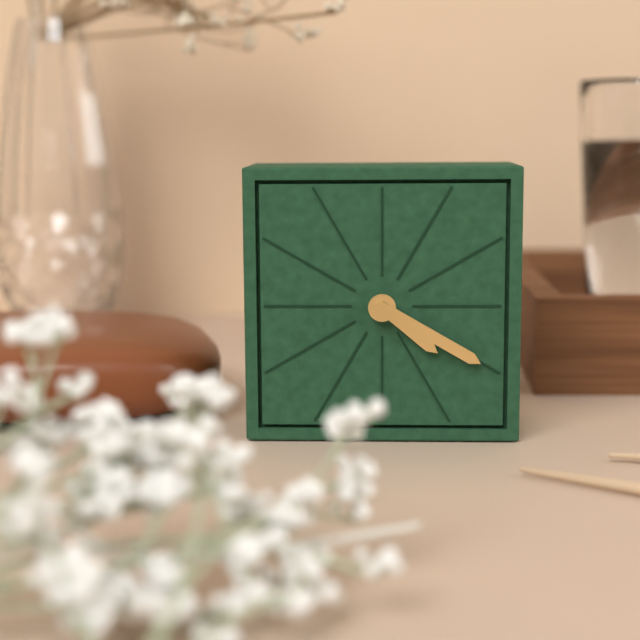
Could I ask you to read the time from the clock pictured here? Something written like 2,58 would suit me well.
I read 4,20
